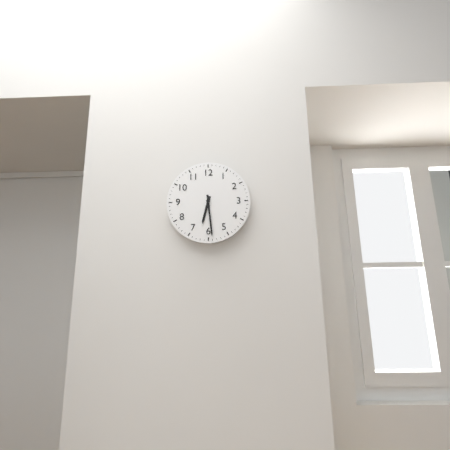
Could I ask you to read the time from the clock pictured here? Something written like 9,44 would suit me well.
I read 6,29
